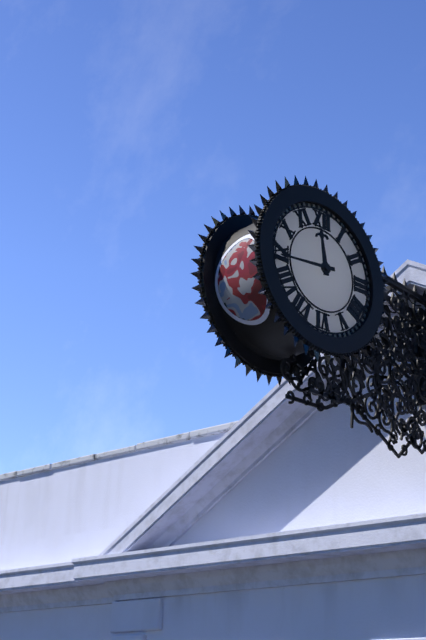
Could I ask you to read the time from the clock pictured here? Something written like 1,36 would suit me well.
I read 11,44
